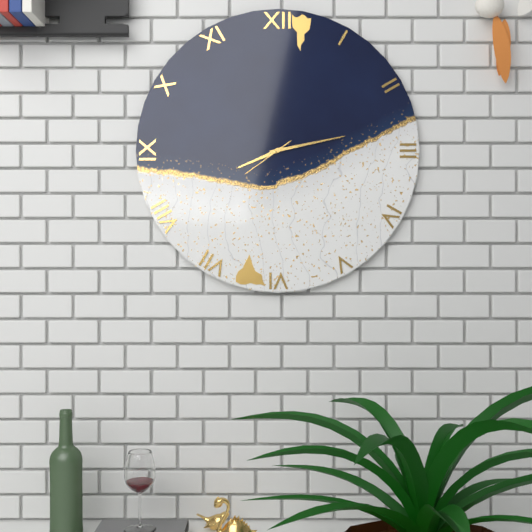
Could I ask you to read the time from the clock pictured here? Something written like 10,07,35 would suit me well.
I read 8,13,39
